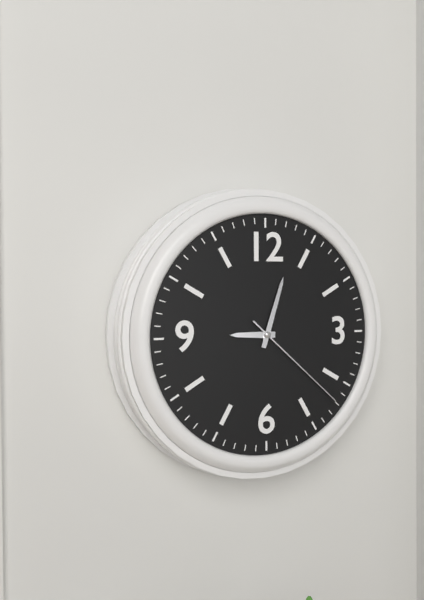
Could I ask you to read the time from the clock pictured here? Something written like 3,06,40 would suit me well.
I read 9,03,22
